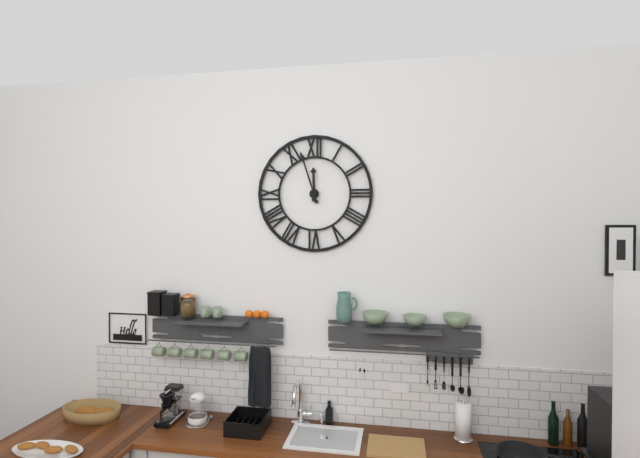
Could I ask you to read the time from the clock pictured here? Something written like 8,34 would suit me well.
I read 11,57
